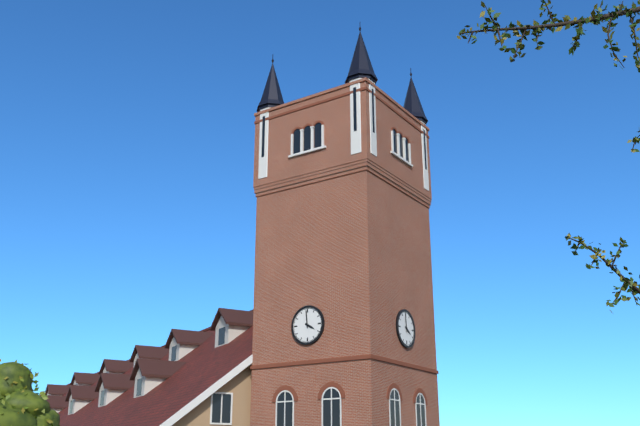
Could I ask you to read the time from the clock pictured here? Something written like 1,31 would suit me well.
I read 3,59
